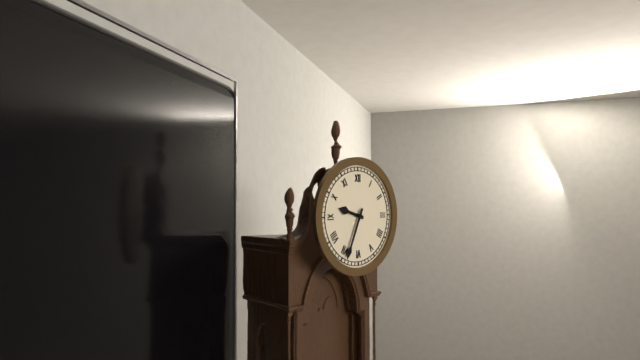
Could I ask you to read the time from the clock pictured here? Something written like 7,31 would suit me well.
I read 9,34
